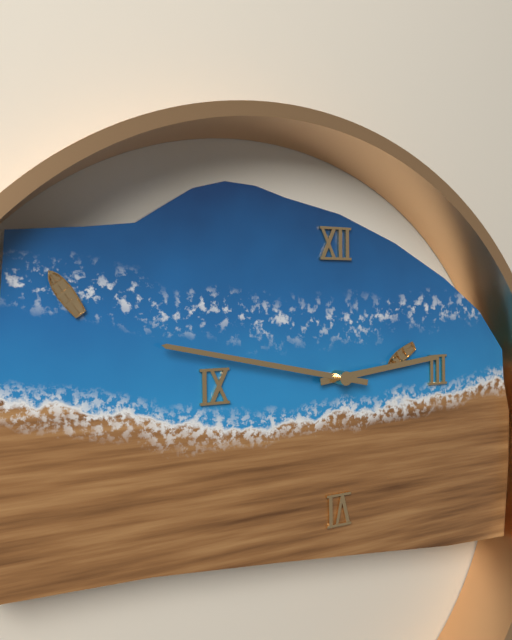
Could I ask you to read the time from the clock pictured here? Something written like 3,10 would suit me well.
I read 2,47
